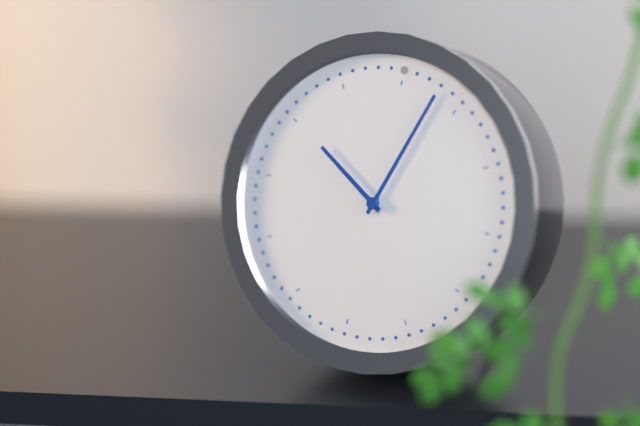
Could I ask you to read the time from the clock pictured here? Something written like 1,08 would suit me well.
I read 10,03
